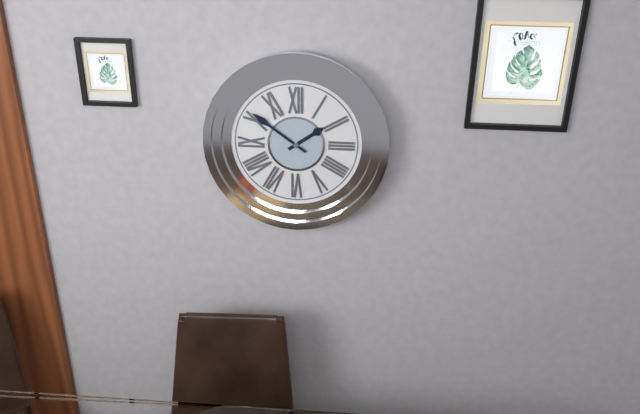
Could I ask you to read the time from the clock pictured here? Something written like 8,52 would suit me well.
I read 1,51
